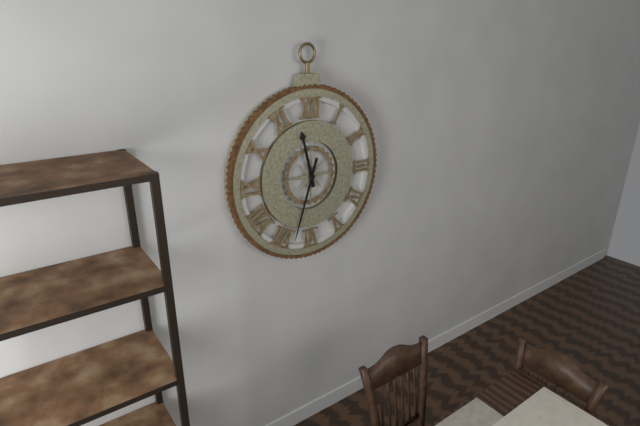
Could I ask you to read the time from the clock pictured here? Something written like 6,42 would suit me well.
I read 11,33
